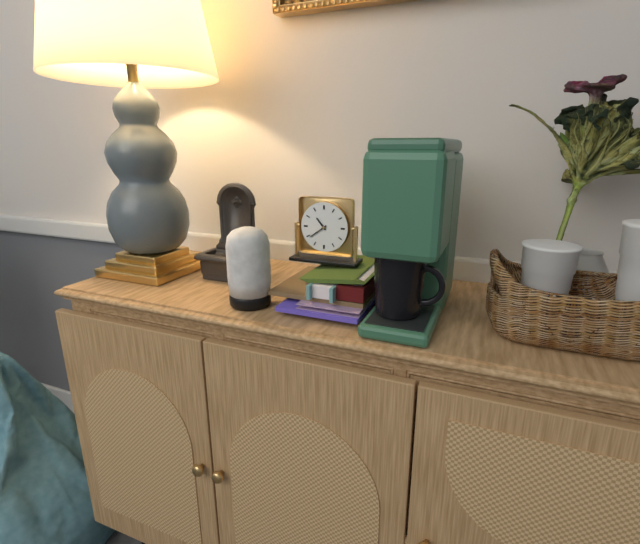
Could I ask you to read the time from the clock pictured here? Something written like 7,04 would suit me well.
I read 10,39
